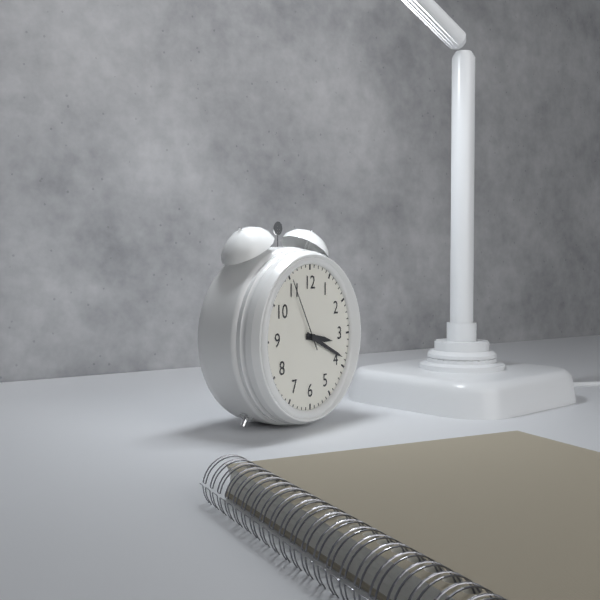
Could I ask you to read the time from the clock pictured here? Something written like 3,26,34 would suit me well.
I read 3,19,55
